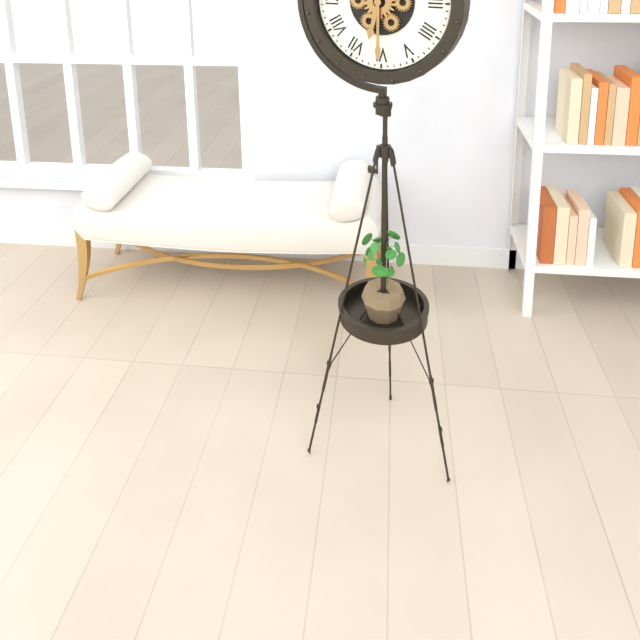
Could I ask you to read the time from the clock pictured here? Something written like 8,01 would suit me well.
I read 6,30
